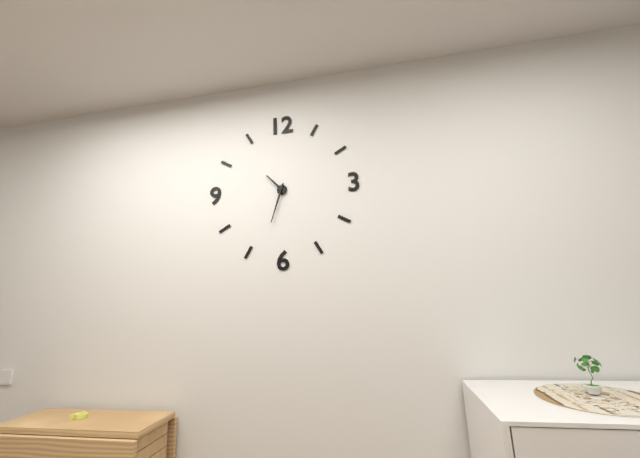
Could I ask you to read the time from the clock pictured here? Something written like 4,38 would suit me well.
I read 10,33
